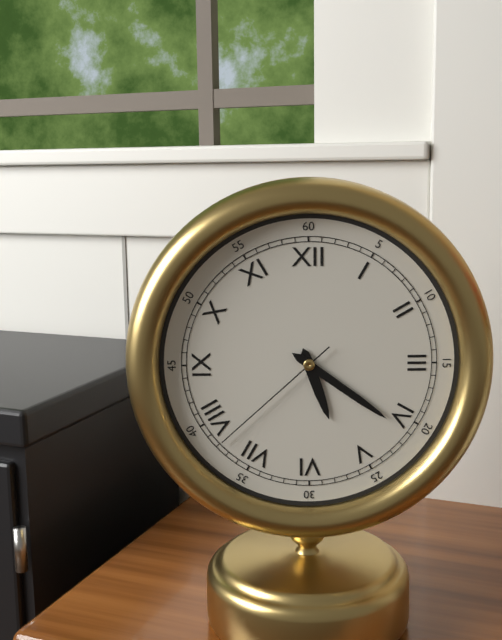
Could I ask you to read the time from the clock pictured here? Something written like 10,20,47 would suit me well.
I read 5,21,38
